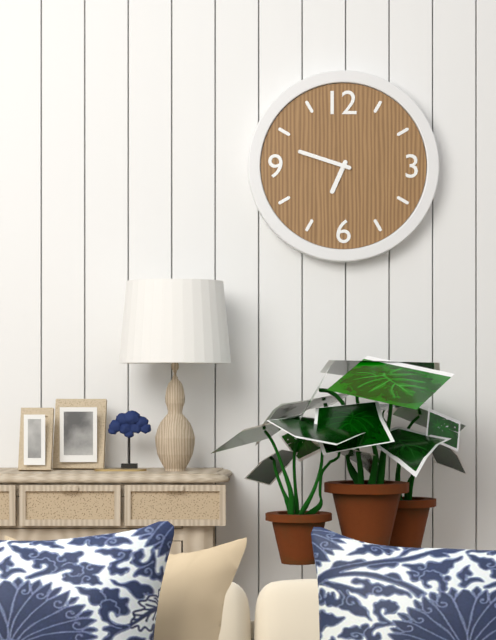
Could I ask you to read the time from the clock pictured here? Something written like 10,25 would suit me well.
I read 6,48
